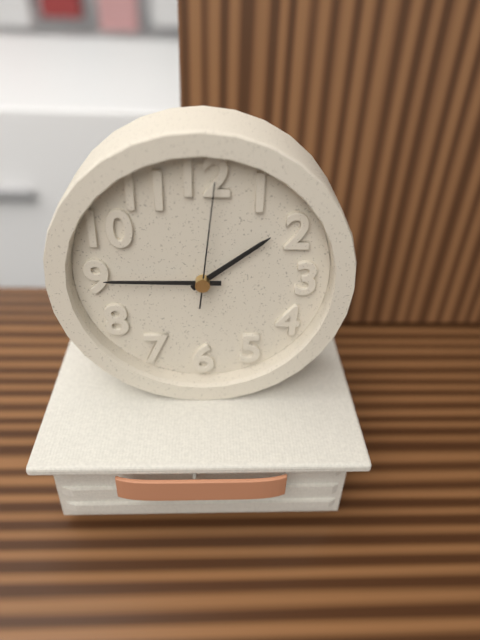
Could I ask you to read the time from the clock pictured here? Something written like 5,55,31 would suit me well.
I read 1,45,01
